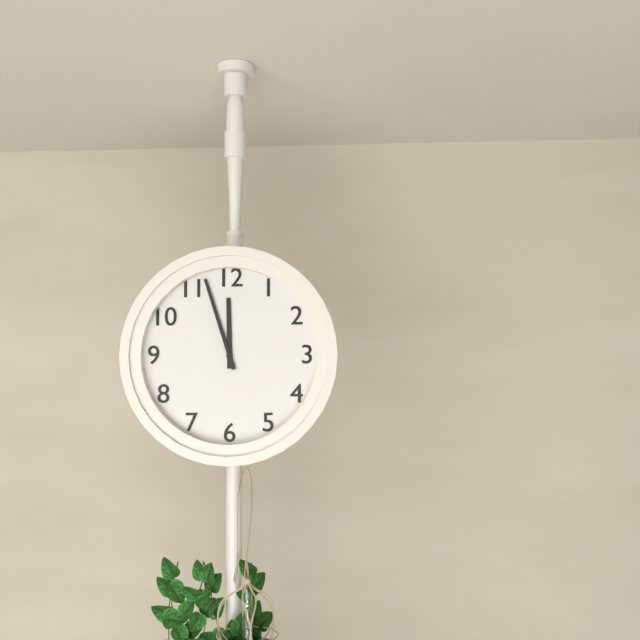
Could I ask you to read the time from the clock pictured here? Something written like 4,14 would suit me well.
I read 11,57
